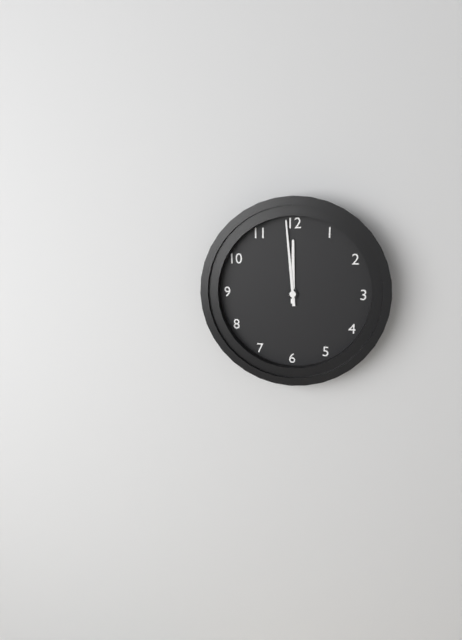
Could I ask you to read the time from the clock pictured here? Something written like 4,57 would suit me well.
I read 11,59
